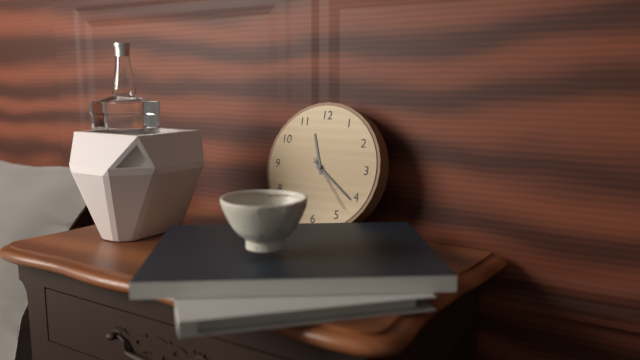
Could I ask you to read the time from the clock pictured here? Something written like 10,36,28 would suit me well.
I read 11,21,23
